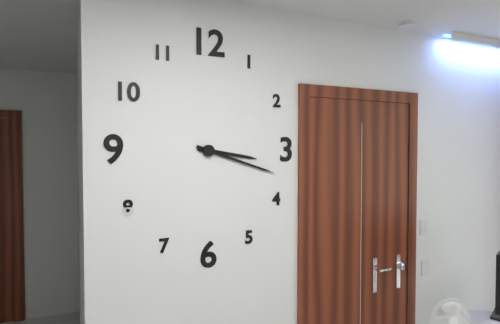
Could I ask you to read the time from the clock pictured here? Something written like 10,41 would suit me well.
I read 3,18
